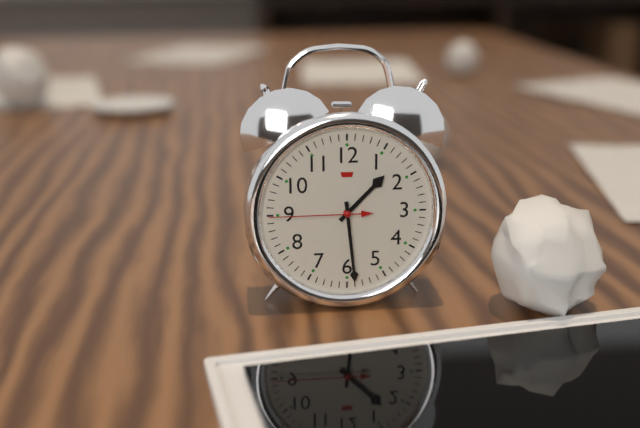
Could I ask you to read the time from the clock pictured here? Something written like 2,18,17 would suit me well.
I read 1,29,45
